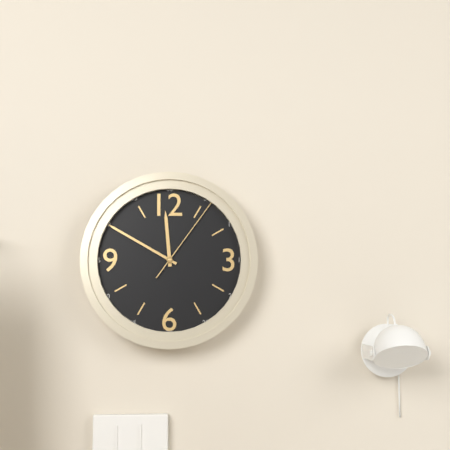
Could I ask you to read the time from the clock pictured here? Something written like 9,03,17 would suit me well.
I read 11,50,06
